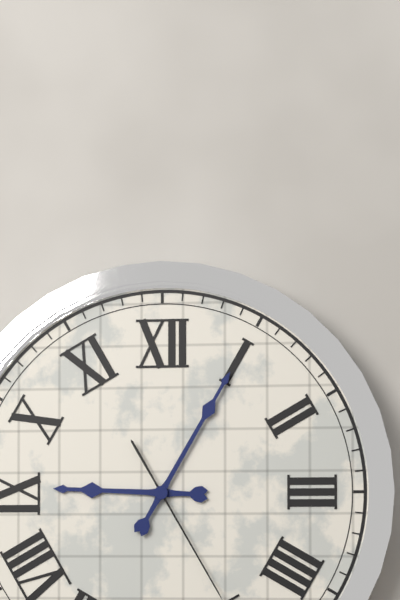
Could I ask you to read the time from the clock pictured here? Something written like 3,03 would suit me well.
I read 9,05
